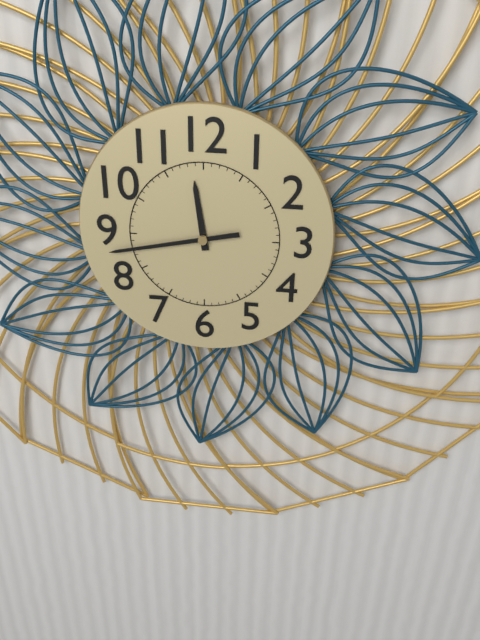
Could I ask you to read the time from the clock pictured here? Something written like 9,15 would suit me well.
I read 11,43
